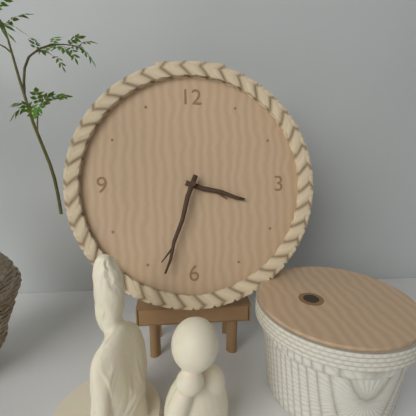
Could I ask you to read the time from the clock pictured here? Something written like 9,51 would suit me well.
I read 3,33
